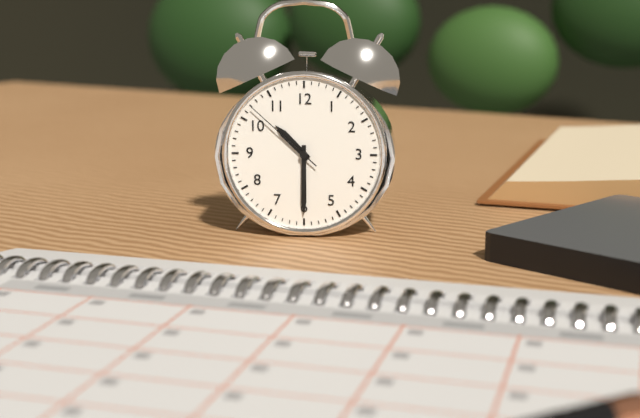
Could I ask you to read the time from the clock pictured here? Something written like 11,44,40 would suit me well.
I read 10,30,52
